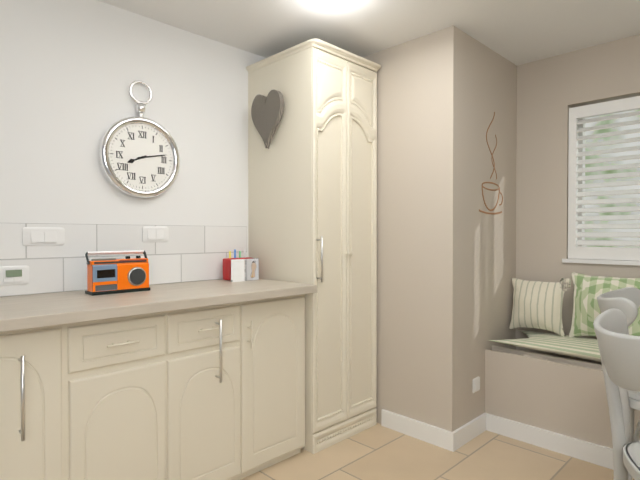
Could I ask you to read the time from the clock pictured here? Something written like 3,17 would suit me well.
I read 8,13
